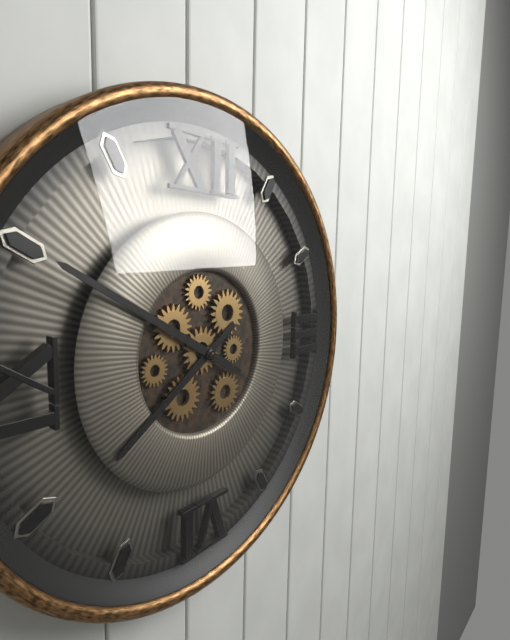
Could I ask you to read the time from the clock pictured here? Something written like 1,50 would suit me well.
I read 7,50
